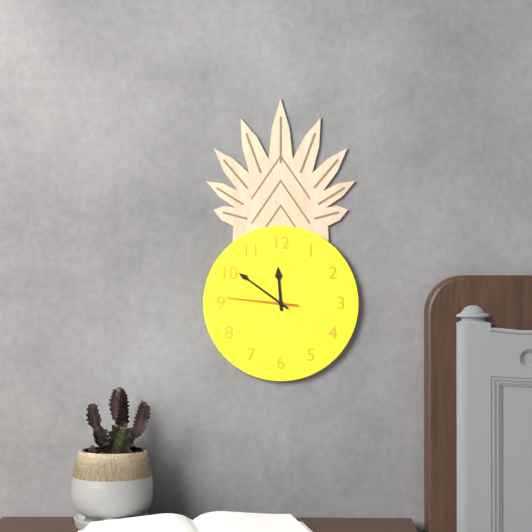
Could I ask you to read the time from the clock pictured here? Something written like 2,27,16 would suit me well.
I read 11,51,46
